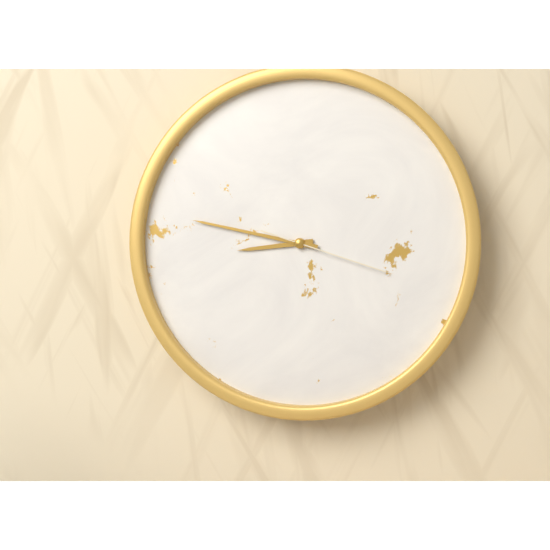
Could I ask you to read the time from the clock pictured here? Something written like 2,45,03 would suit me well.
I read 8,47,18
